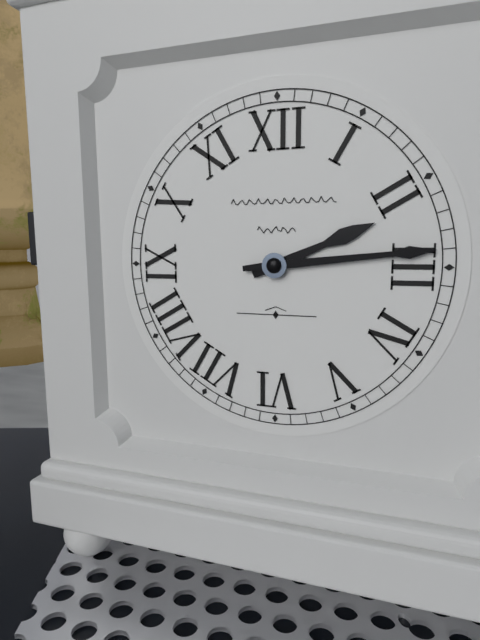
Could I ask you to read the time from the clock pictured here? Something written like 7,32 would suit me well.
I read 2,14
